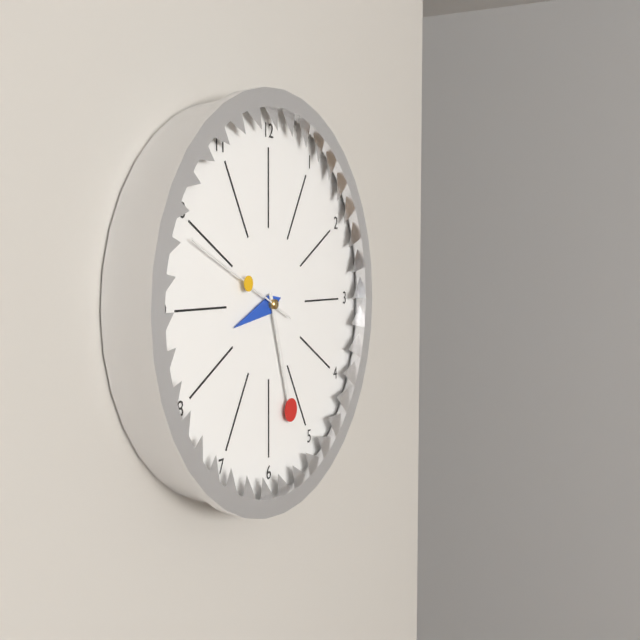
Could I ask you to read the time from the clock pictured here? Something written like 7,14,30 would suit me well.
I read 8,27,49
